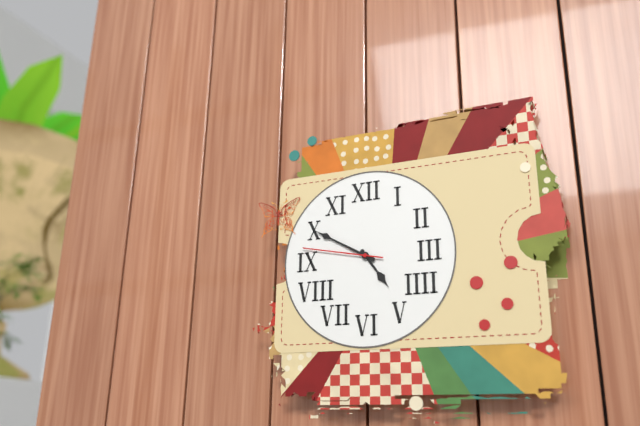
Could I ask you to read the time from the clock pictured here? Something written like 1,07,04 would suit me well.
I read 4,50,47
